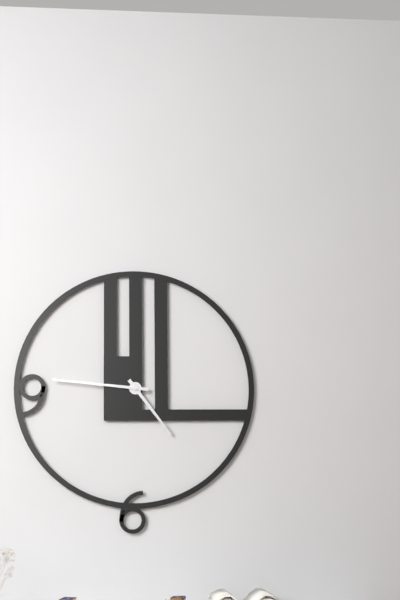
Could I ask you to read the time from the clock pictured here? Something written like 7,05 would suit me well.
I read 4,46
